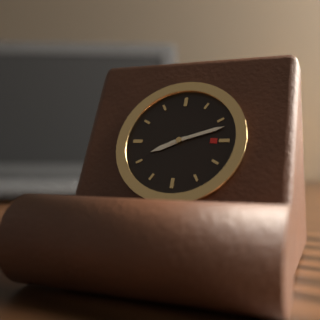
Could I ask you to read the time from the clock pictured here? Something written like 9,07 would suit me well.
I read 8,12
